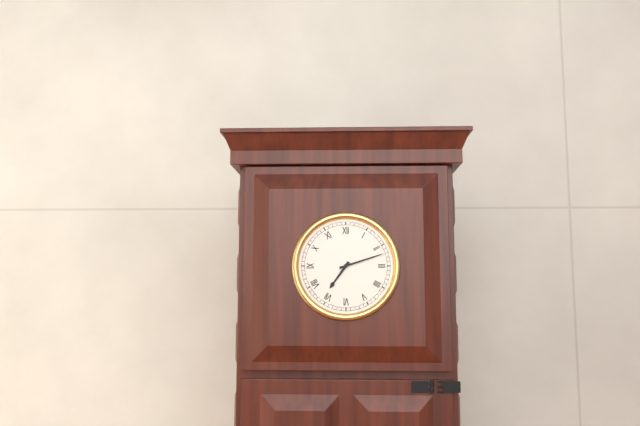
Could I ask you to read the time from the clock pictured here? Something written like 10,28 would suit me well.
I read 7,12
